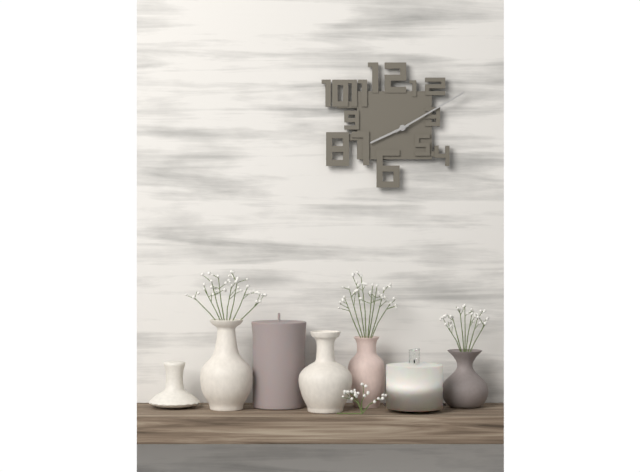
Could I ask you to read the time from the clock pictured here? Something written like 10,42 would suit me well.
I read 8,10
